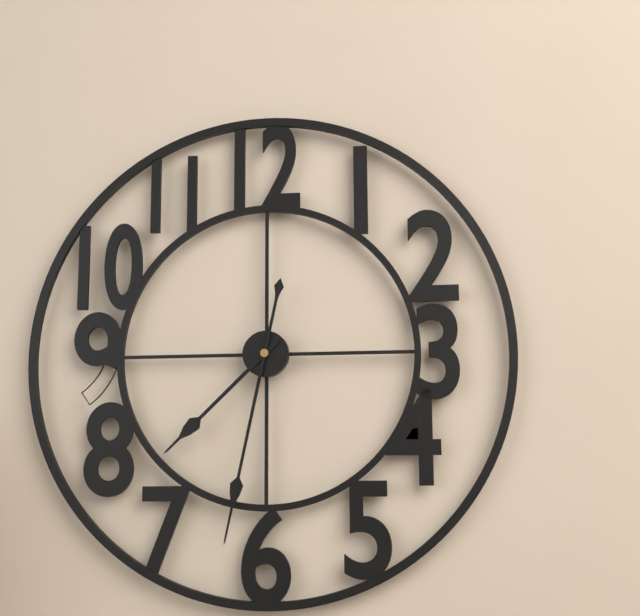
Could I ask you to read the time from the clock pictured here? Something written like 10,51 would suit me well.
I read 7,32
